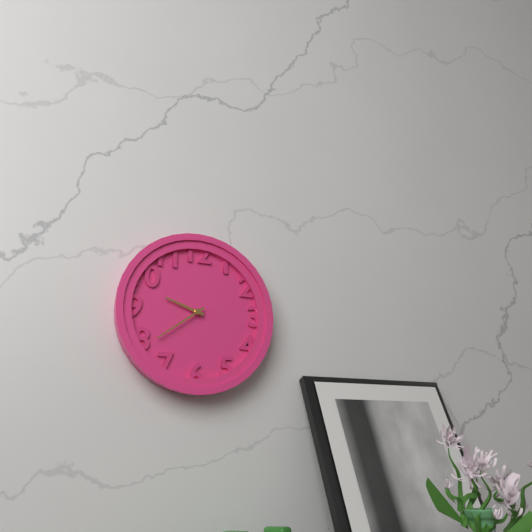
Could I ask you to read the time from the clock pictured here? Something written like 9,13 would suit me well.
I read 9,39
